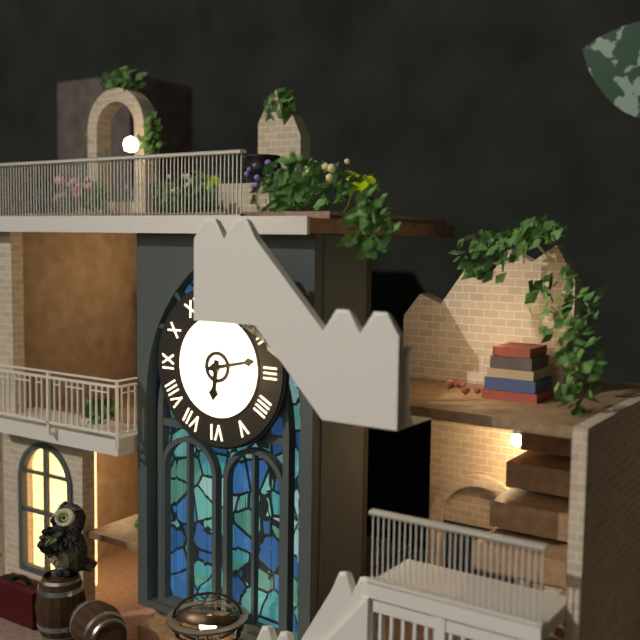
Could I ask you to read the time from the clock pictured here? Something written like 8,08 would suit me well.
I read 6,13
